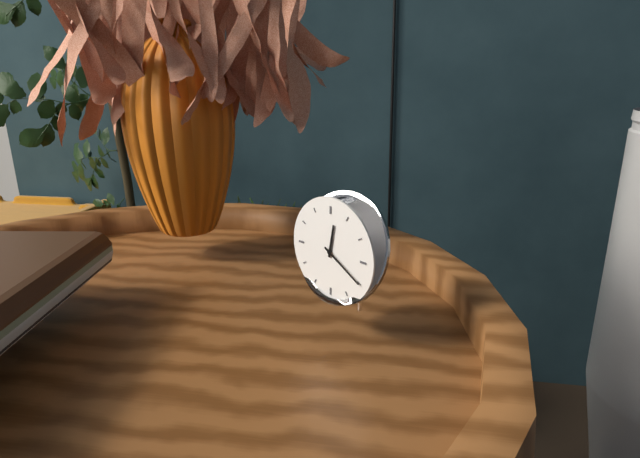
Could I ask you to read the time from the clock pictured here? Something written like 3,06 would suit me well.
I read 12,20
